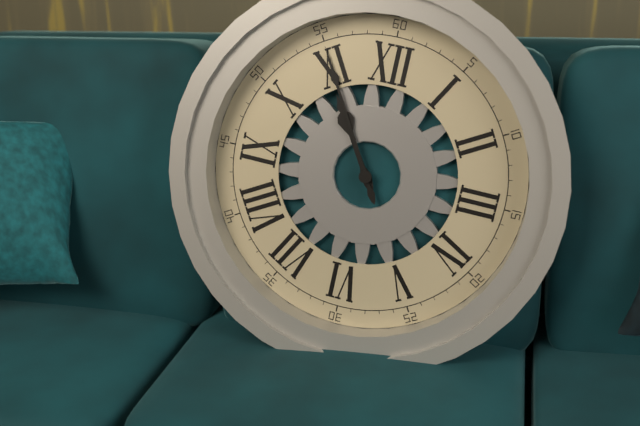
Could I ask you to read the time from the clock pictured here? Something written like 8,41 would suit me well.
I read 10,55
